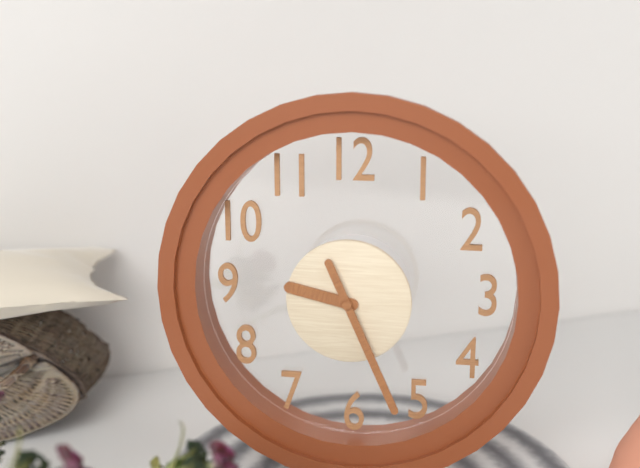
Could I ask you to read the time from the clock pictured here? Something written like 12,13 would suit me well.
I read 9,26
